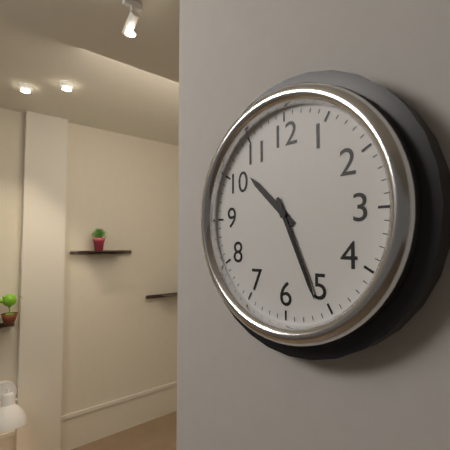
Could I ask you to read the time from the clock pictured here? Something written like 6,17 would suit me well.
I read 10,26
